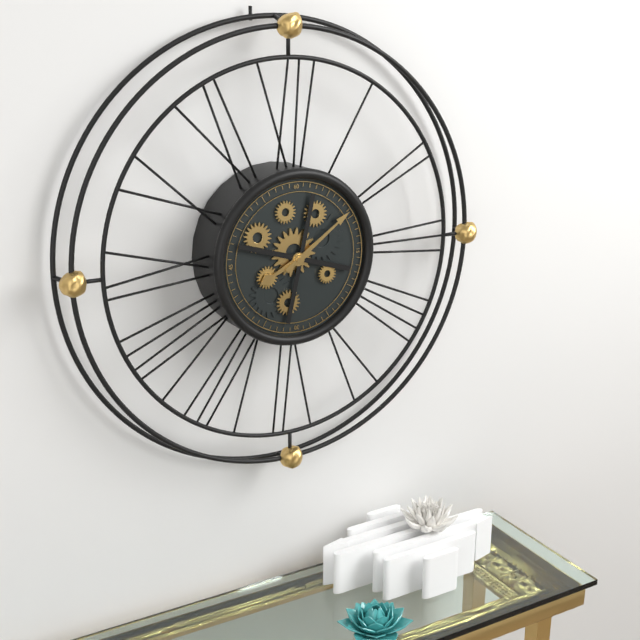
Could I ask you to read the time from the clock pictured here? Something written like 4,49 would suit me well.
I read 8,09
